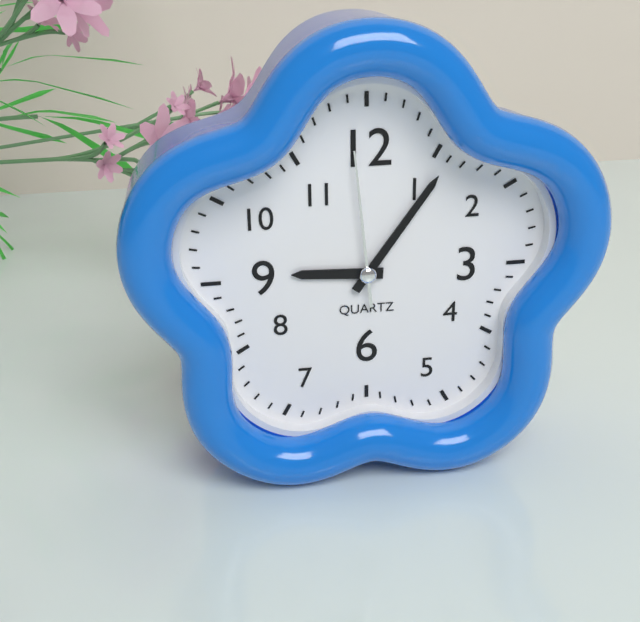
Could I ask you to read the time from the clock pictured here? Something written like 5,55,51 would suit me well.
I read 9,06,59
